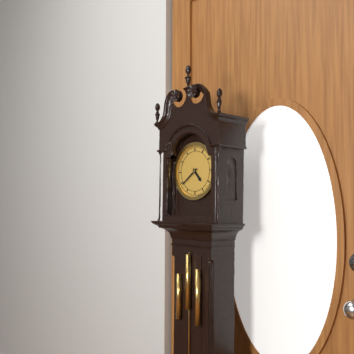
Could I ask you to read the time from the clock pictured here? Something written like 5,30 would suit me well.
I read 4,39
